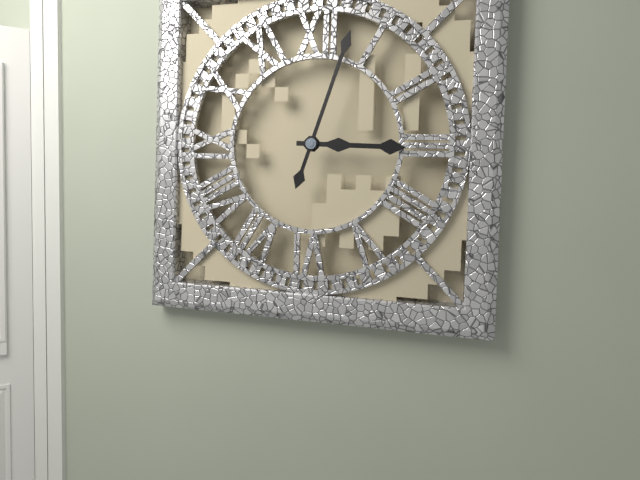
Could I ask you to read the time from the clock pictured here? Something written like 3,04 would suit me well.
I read 3,03
